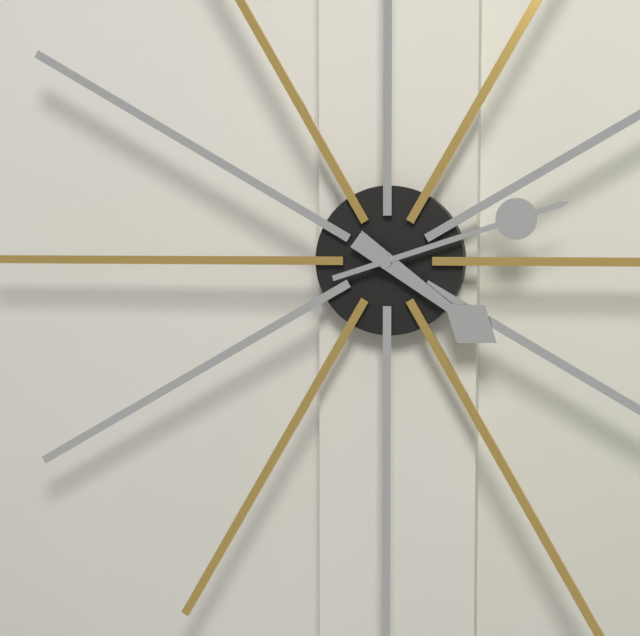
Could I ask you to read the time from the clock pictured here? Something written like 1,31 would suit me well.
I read 4,12
